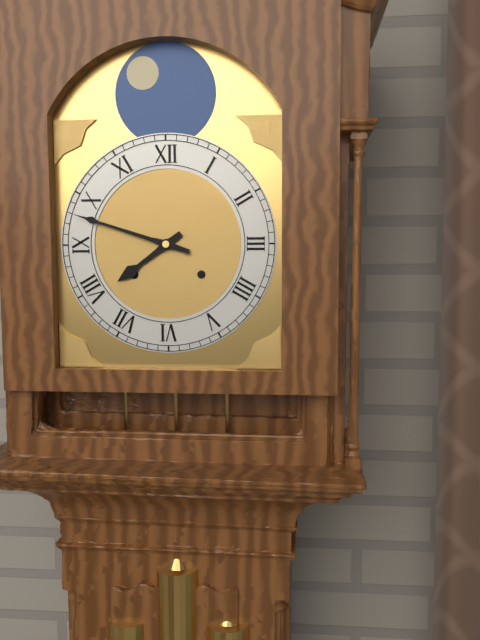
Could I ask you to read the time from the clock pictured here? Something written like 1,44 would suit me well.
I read 7,48
